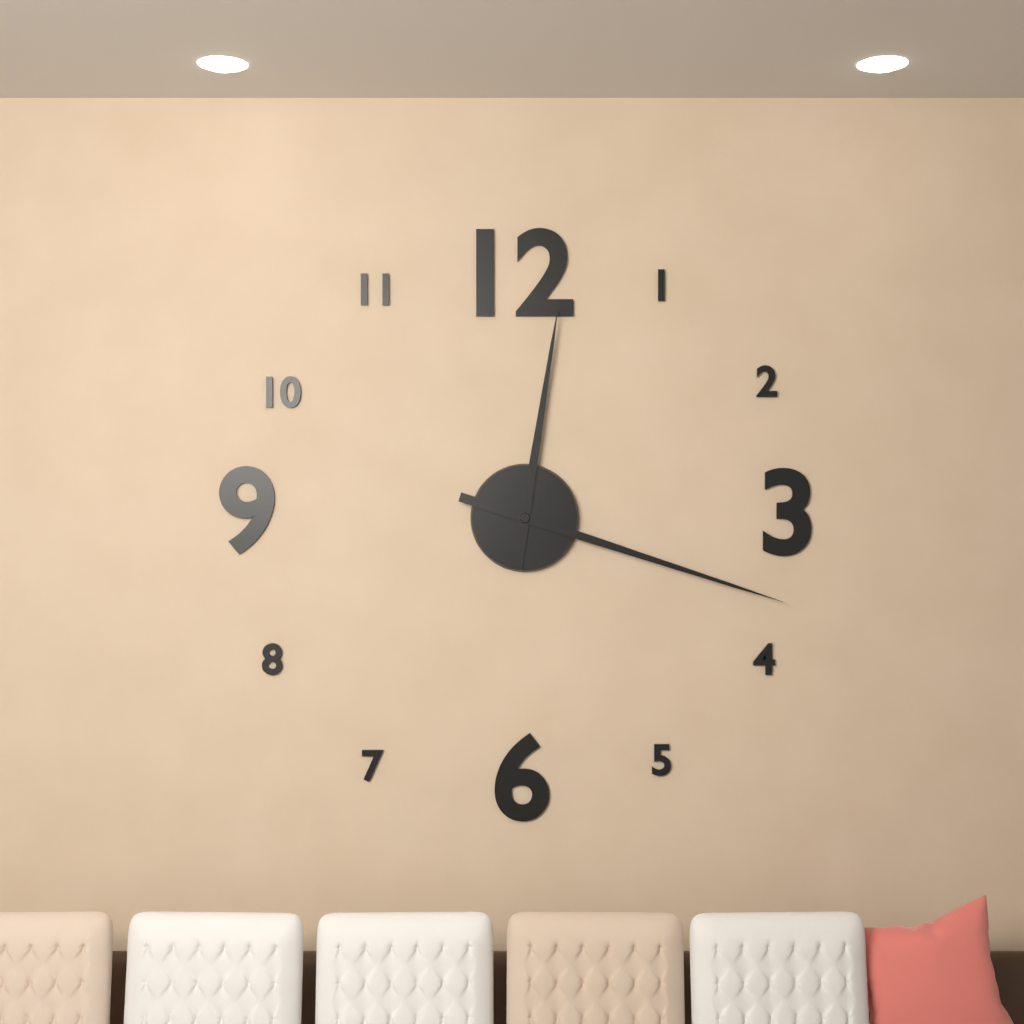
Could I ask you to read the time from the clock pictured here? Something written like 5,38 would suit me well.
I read 12,18
